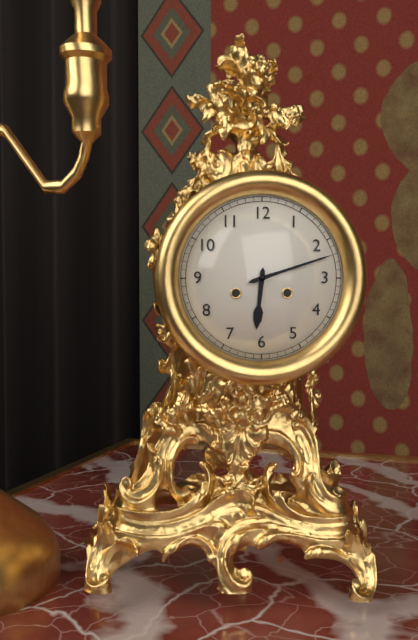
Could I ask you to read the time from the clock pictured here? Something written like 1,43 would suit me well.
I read 6,12
